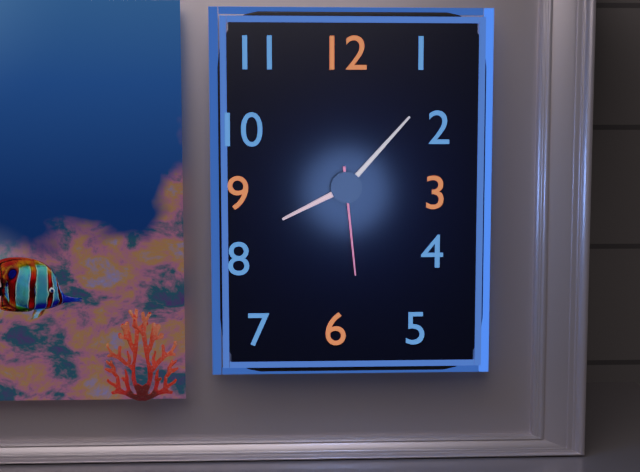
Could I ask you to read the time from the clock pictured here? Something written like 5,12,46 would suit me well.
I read 8,07,29
